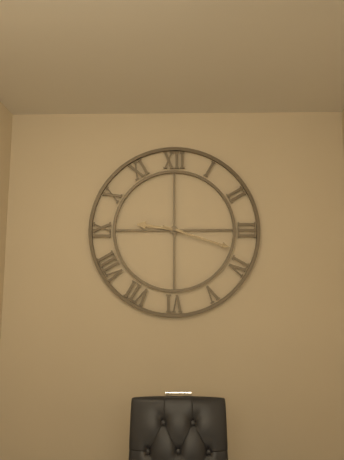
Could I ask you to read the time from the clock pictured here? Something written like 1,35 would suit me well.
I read 9,18
